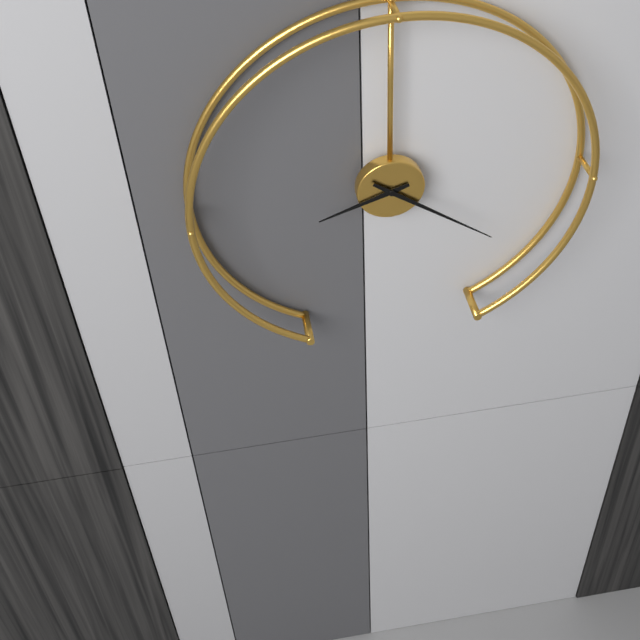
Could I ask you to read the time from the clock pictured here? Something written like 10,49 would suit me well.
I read 8,21
